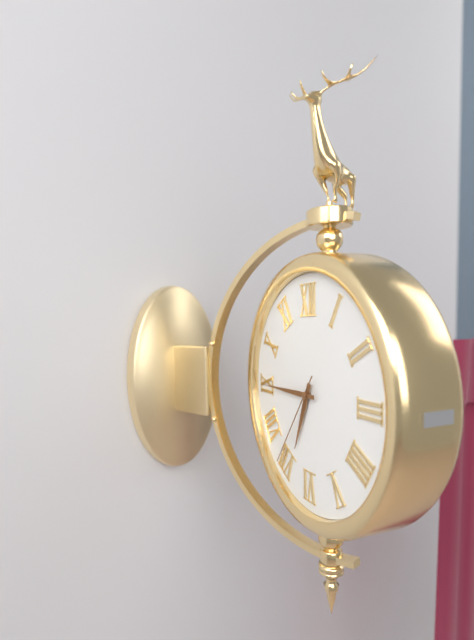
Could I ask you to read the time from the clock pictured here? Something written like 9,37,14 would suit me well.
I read 6,45,36
